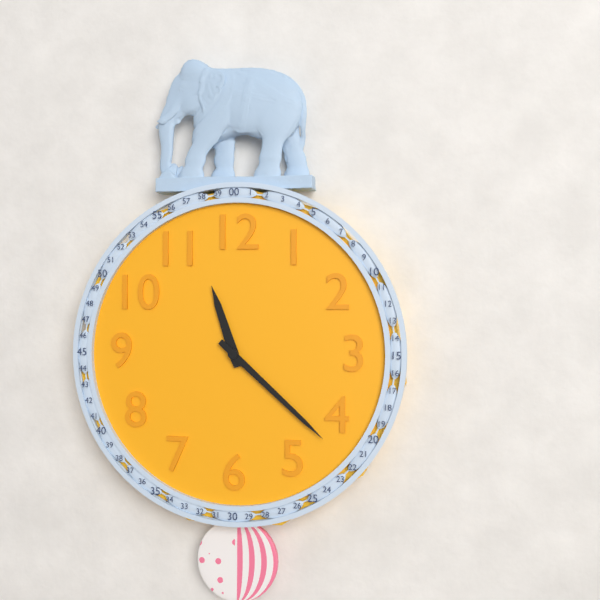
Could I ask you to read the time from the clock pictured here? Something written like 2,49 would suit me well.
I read 11,22
